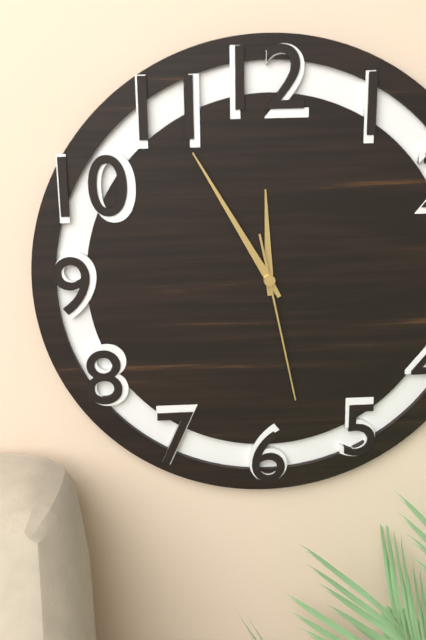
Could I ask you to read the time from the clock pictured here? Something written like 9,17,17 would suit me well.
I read 11,55,28
